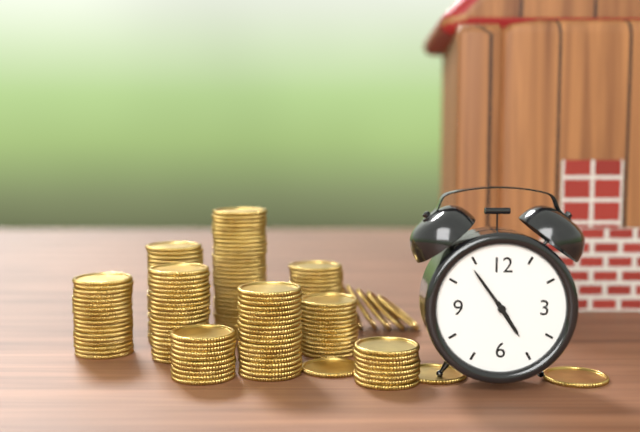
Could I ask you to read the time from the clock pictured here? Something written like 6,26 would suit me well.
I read 4,54
